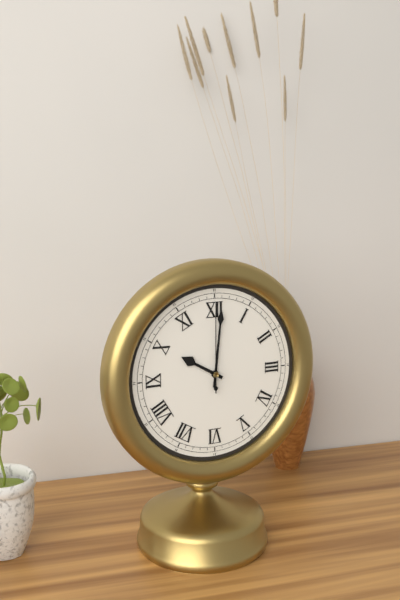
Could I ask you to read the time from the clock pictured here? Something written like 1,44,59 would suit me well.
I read 10,01,00
